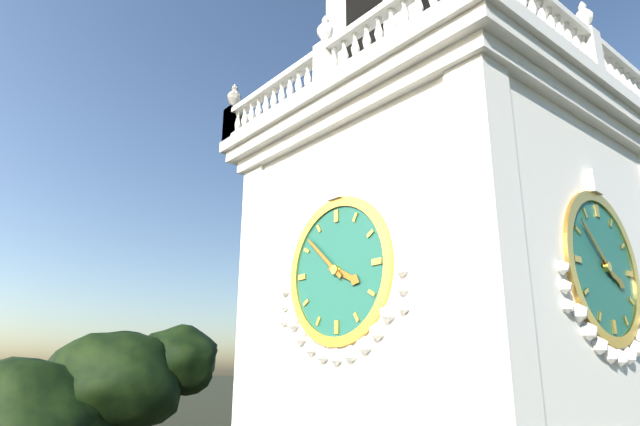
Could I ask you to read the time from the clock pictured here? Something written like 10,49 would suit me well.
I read 3,52
